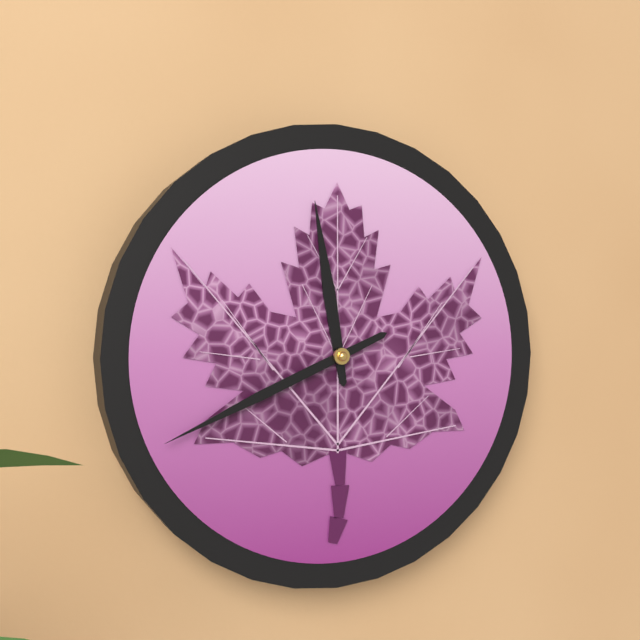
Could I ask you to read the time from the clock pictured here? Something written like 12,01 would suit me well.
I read 11,41
